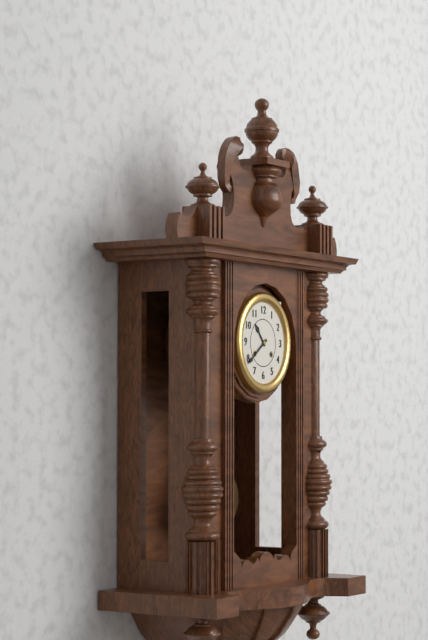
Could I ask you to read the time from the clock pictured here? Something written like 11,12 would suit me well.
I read 10,39
